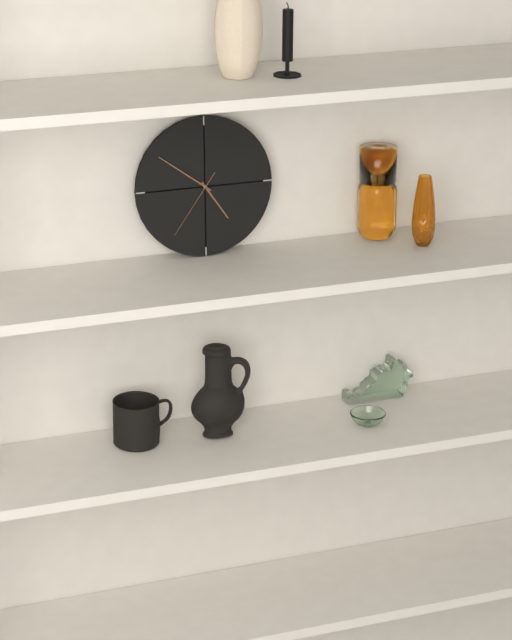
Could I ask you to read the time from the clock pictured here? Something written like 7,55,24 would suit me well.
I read 4,51,36
